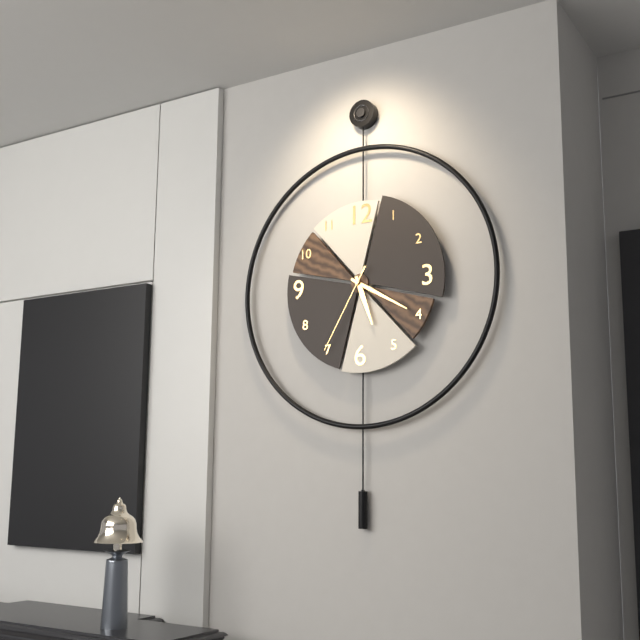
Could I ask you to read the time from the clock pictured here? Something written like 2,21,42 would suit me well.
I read 5,20,35
